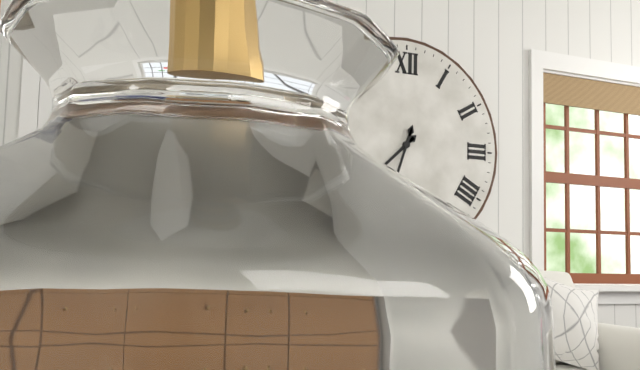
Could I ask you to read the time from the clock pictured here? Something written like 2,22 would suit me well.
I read 7,33
